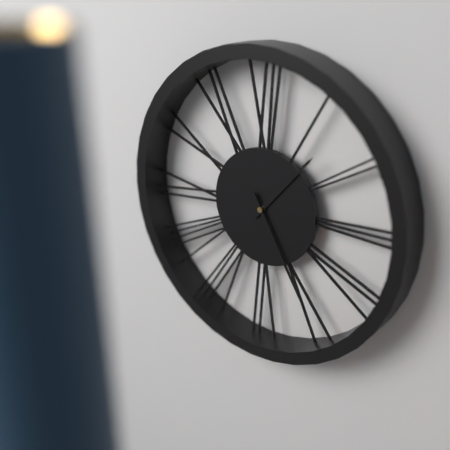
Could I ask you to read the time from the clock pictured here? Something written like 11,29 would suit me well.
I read 1,25
